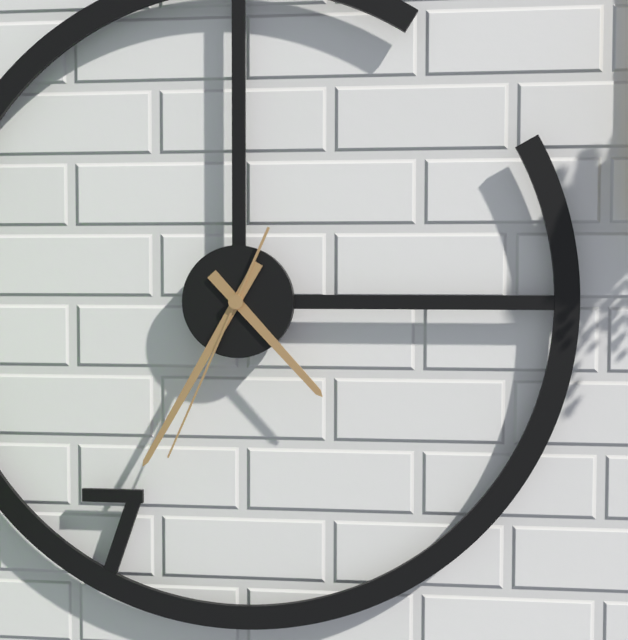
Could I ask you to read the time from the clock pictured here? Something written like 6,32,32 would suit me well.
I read 4,35,34
